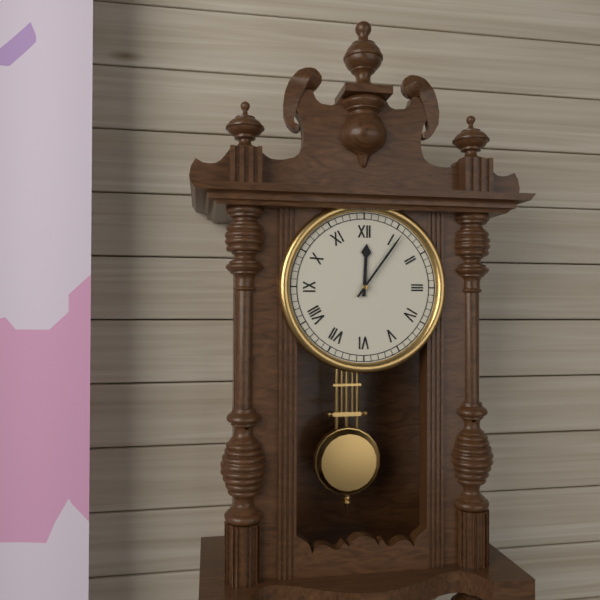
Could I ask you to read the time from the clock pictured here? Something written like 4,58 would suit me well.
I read 12,06
